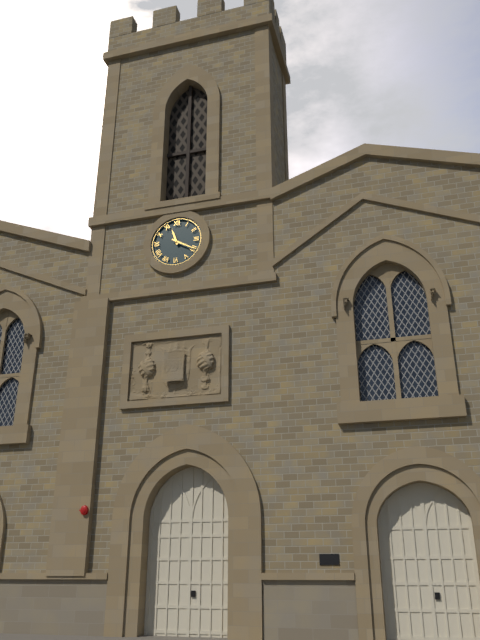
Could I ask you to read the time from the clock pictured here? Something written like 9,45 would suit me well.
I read 11,20
